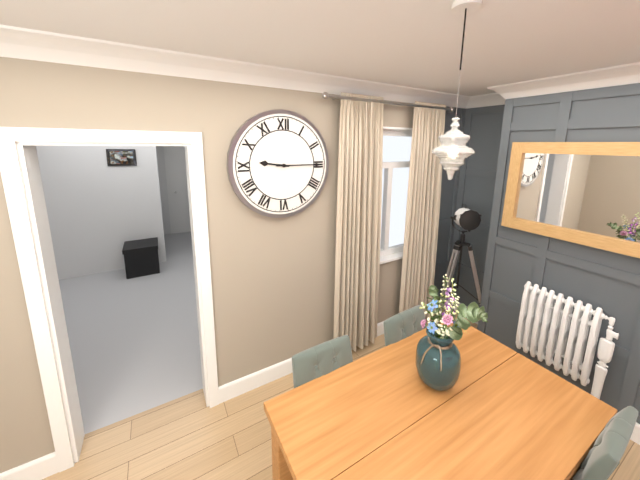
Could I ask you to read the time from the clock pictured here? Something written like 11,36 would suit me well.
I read 9,15
